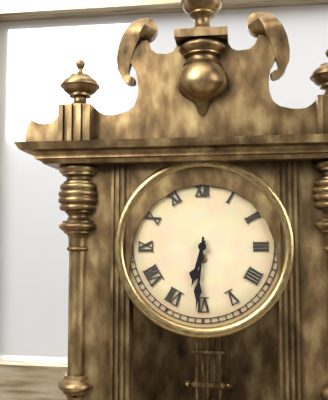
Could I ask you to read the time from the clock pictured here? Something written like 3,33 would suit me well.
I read 6,31
